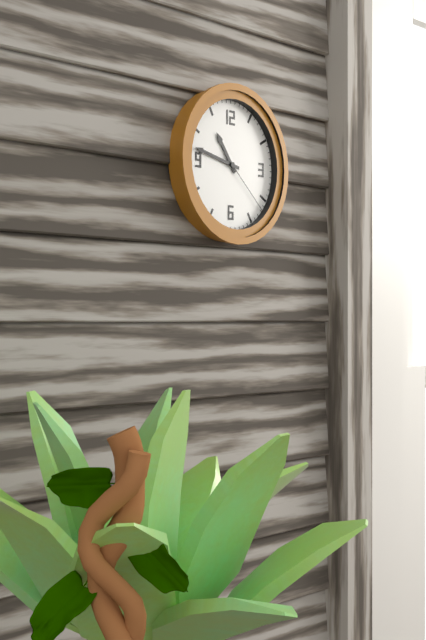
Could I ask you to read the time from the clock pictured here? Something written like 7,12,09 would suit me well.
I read 10,47,22
